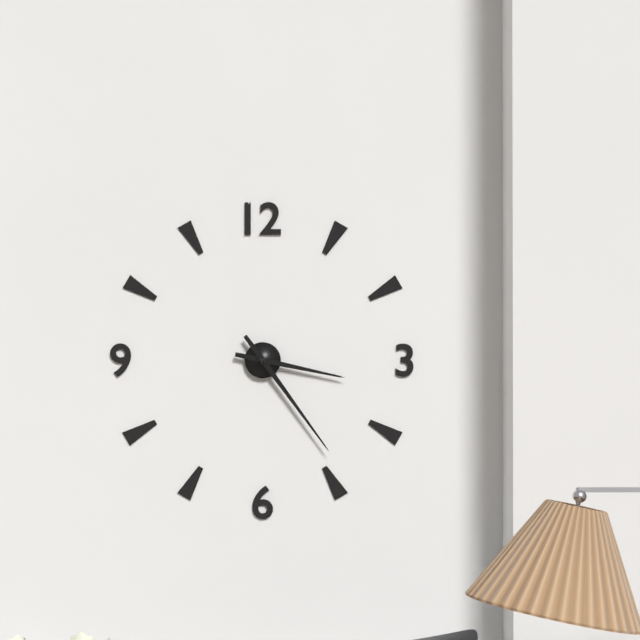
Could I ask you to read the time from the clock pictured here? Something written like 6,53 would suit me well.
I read 3,24
